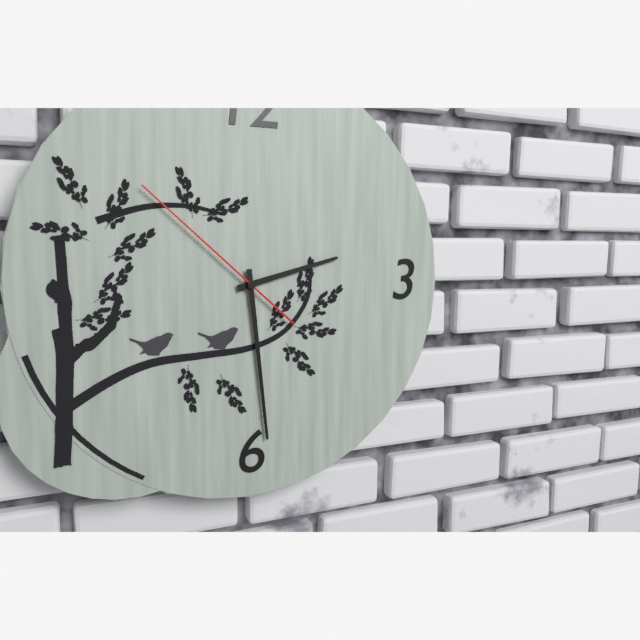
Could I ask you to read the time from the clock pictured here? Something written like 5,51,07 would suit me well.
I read 2,29,52
